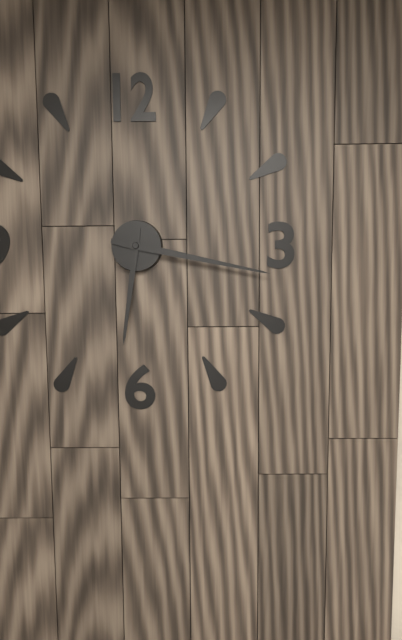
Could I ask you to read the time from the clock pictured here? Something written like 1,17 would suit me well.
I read 6,17
